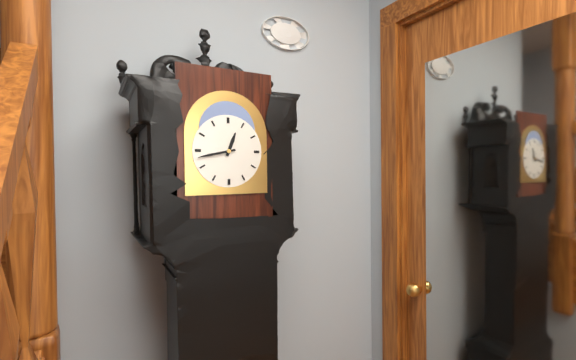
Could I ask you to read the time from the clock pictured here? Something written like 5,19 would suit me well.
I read 12,43
